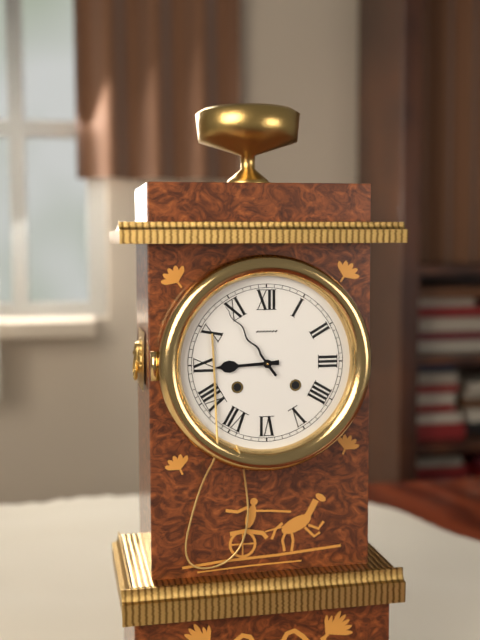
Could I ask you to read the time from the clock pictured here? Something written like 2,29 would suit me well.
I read 8,54
